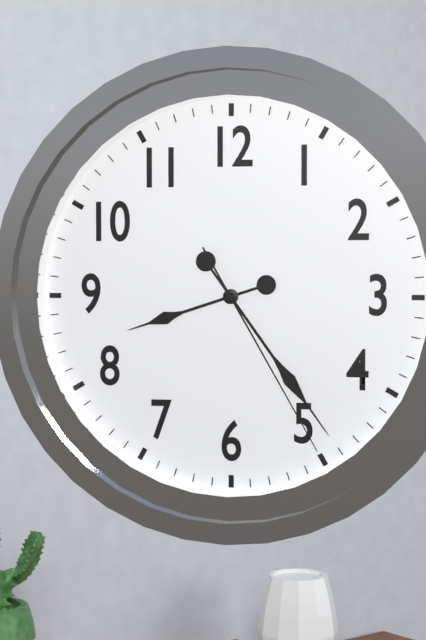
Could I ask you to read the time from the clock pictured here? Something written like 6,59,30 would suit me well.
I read 8,24,25
